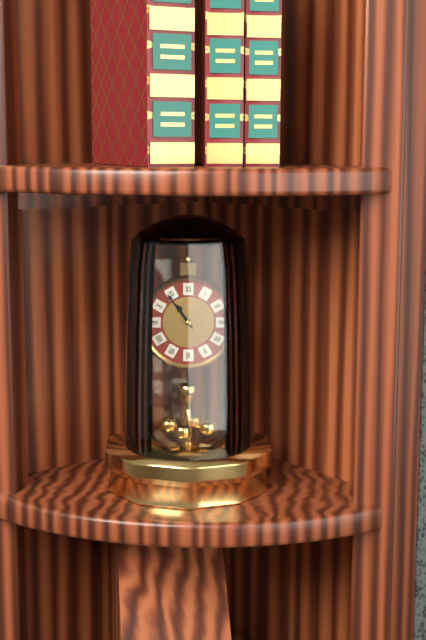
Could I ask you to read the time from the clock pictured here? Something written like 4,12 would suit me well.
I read 10,54
